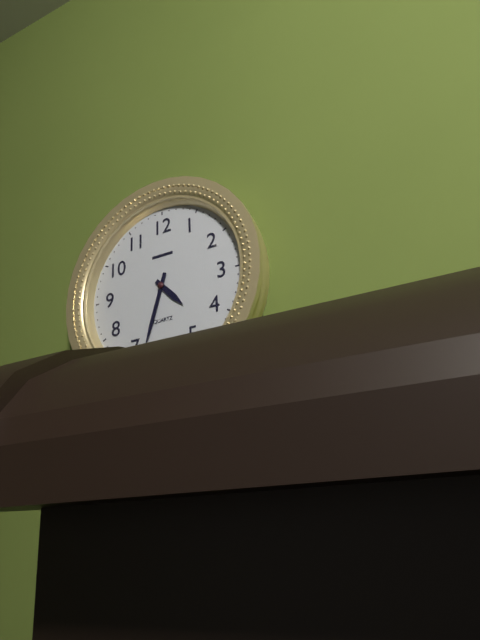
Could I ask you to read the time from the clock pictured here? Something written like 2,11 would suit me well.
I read 4,33
